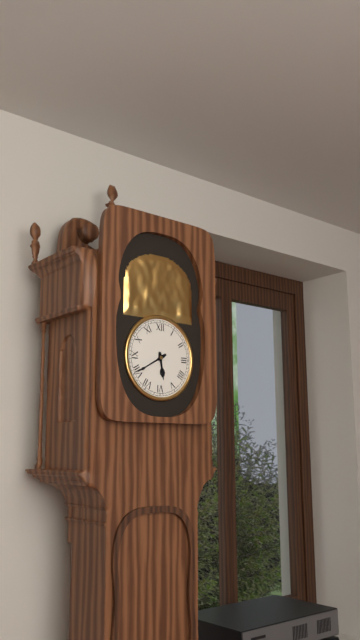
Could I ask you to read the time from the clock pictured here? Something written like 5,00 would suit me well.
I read 5,40
